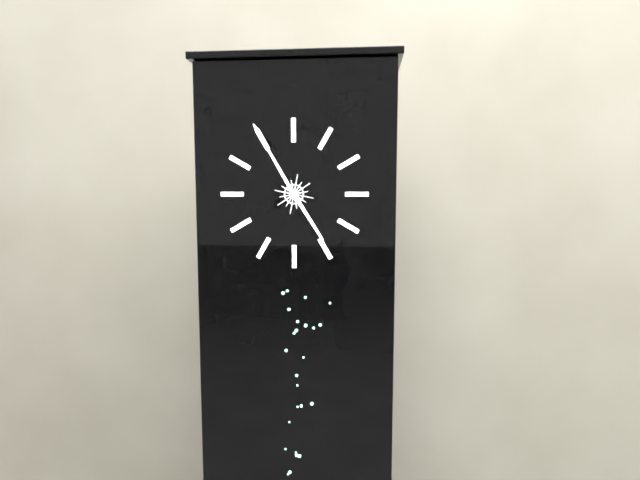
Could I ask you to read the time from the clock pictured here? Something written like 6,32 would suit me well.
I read 4,55
